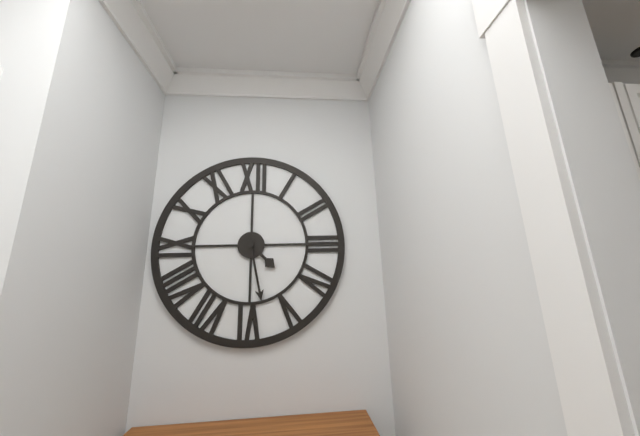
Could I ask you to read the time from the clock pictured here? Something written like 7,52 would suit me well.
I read 4,28
